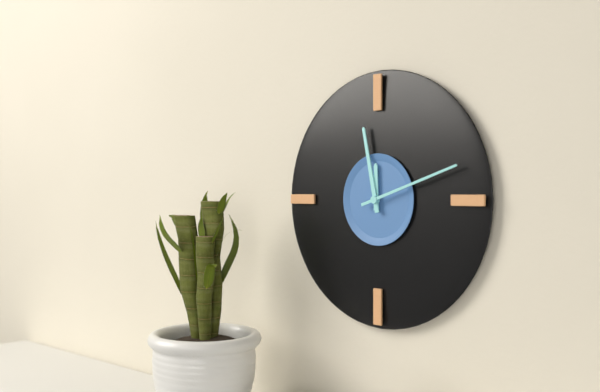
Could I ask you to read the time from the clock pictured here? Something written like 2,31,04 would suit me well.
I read 11,58,12
